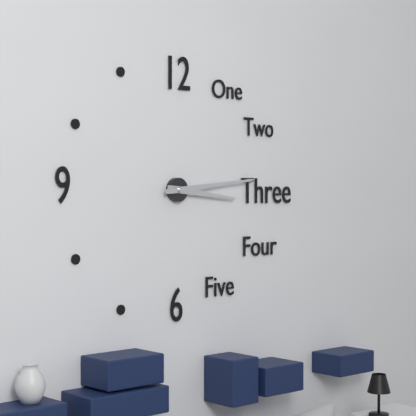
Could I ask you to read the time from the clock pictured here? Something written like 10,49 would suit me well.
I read 3,14
